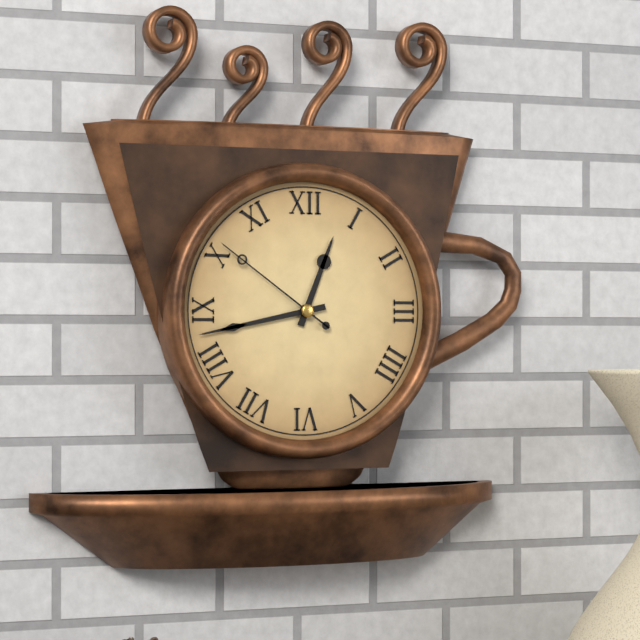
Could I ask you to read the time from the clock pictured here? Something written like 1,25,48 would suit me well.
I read 12,43,51
